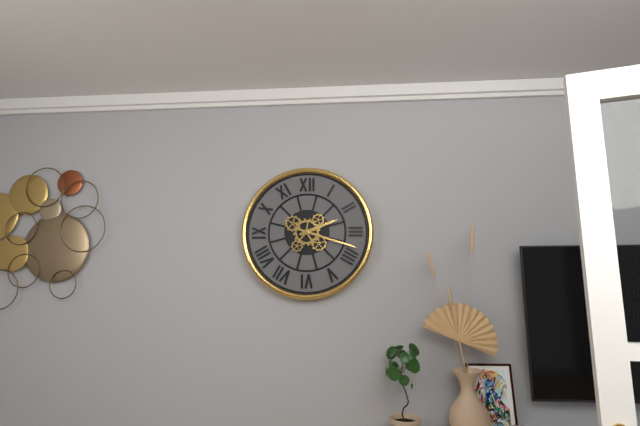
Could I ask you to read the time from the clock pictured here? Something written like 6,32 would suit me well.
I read 2,18
